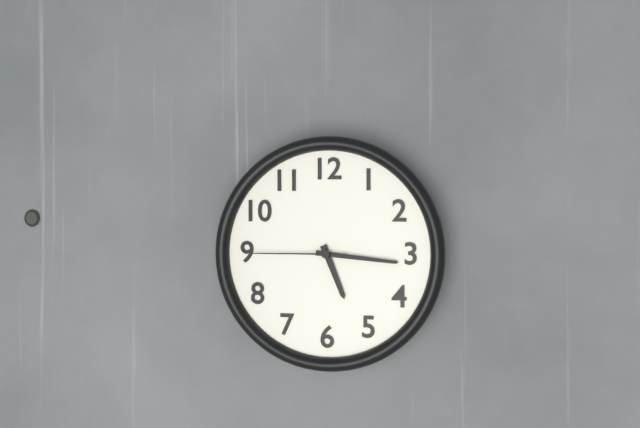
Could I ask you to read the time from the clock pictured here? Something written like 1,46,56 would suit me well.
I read 5,16,45
